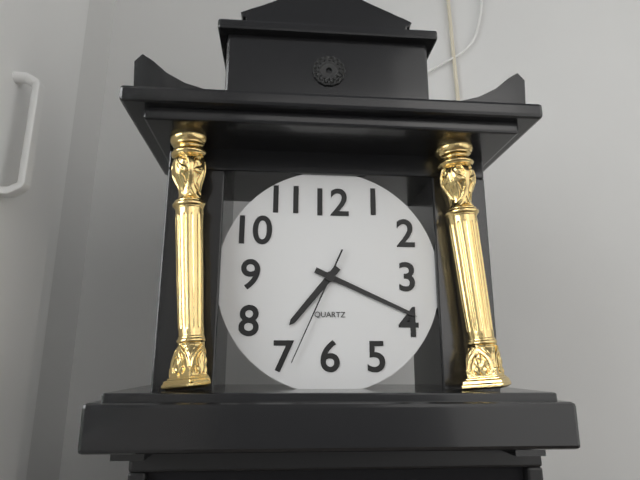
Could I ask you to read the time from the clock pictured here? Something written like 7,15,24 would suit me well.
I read 7,19,34
